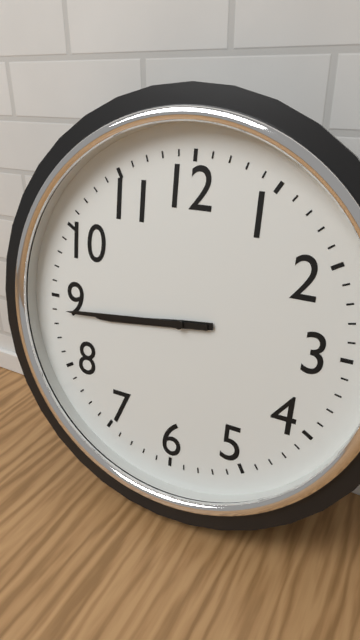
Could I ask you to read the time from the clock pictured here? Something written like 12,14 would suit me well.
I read 8,44
